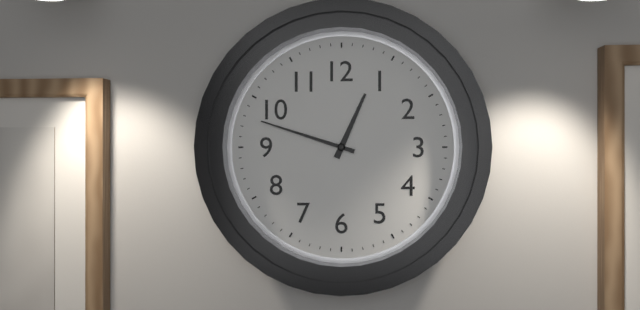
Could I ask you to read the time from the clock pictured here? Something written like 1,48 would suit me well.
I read 12,48
